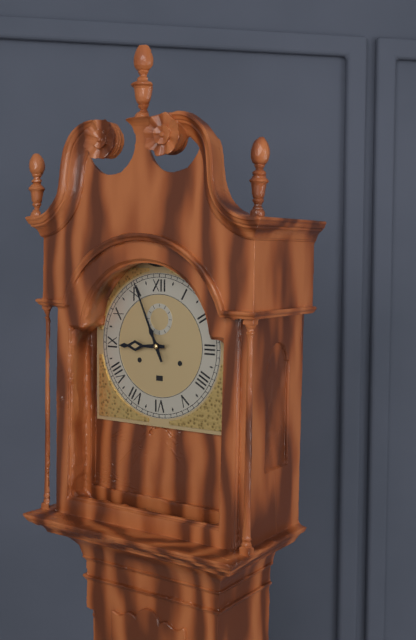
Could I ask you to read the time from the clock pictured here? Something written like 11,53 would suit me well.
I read 8,56
